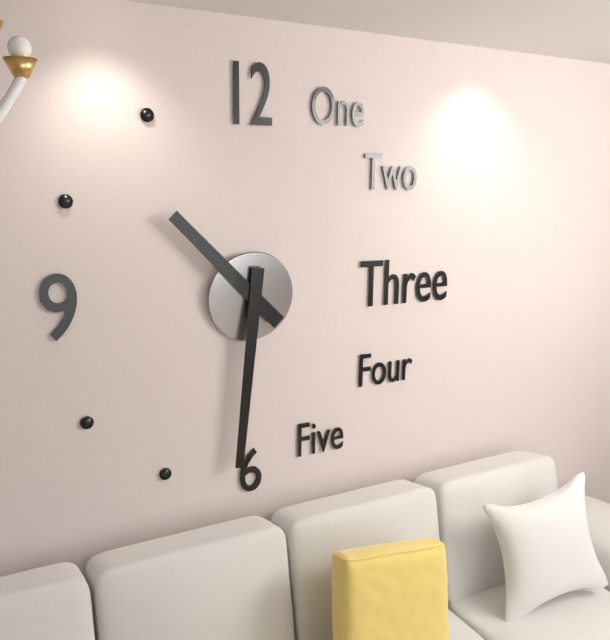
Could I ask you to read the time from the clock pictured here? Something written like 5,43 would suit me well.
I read 10,31
